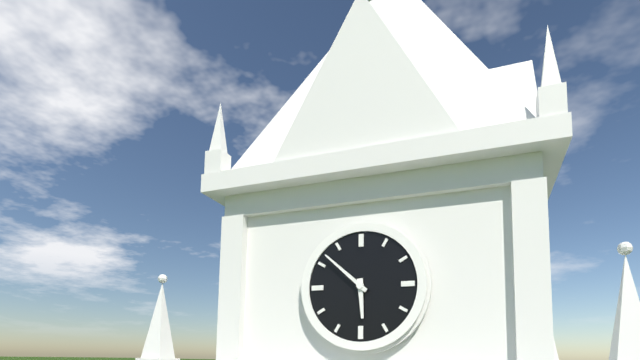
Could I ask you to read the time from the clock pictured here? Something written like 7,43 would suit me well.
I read 5,52
